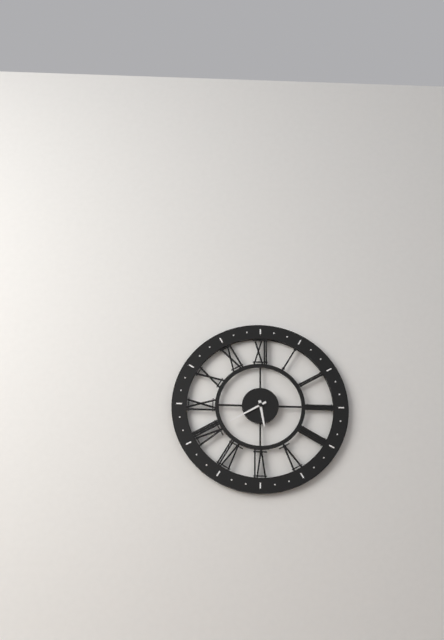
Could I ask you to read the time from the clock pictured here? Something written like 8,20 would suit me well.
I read 5,40
